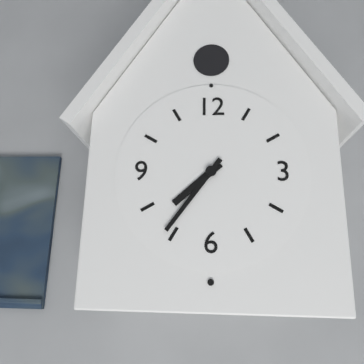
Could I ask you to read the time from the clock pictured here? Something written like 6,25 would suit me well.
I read 7,36
